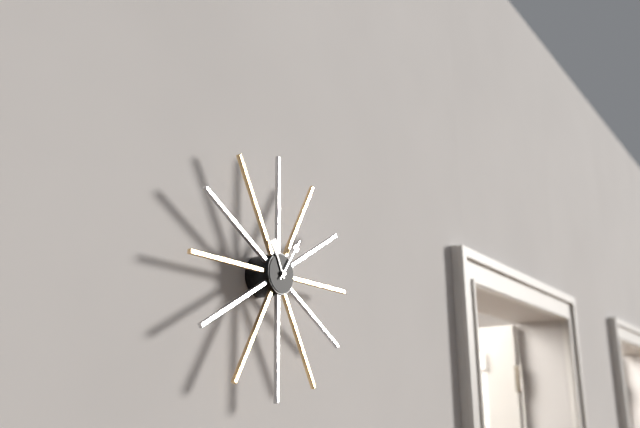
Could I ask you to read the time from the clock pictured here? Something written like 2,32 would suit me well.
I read 11,06
